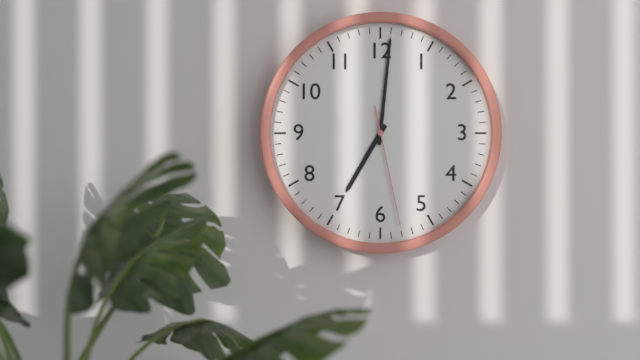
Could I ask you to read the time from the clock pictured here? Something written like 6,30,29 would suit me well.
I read 7,01,28
